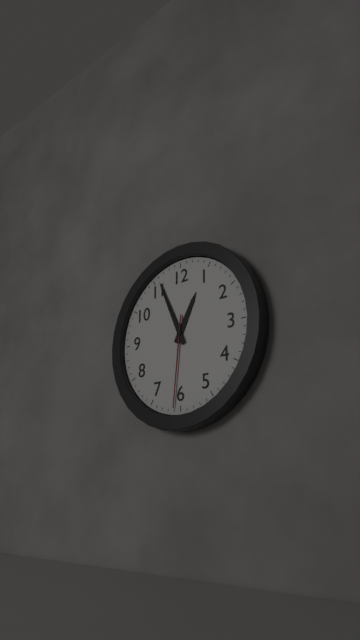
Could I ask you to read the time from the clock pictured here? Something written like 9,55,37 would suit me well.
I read 12,56,31
